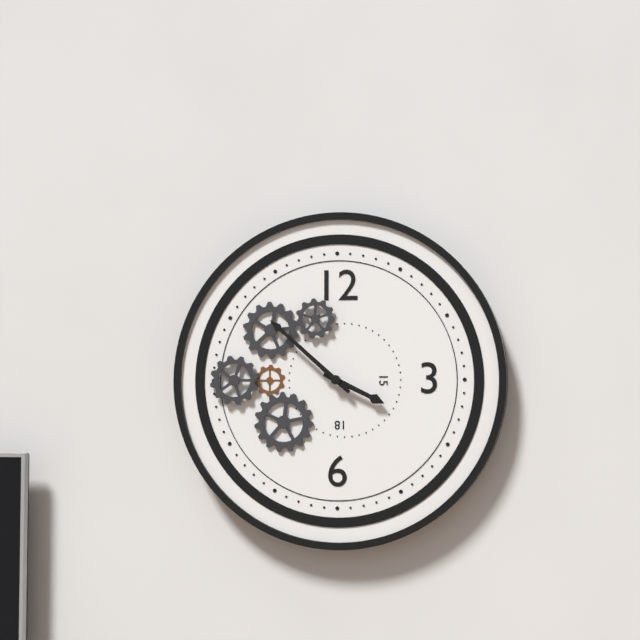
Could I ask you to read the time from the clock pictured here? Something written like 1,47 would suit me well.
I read 3,52
